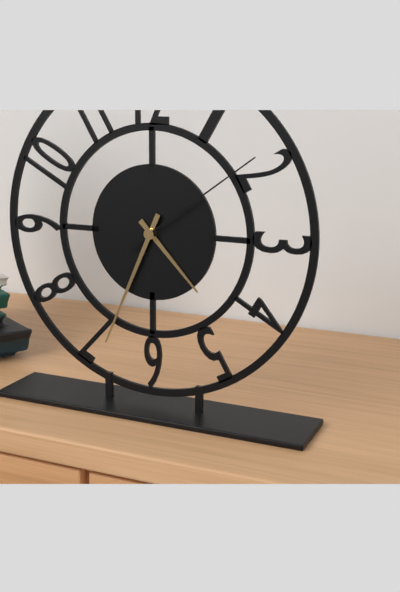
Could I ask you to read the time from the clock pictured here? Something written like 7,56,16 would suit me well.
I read 4,34,09
